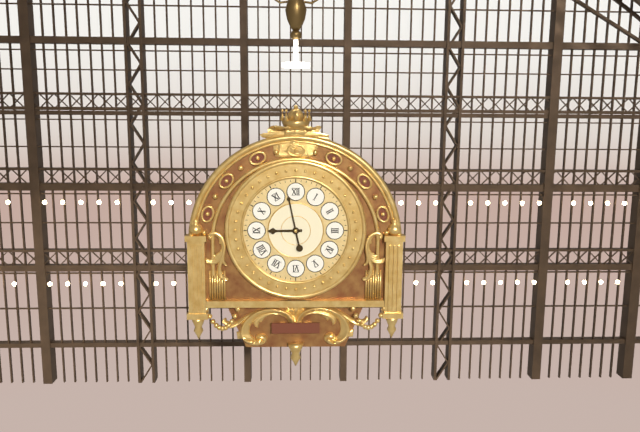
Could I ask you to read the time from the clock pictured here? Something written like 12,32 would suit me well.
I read 8,58
